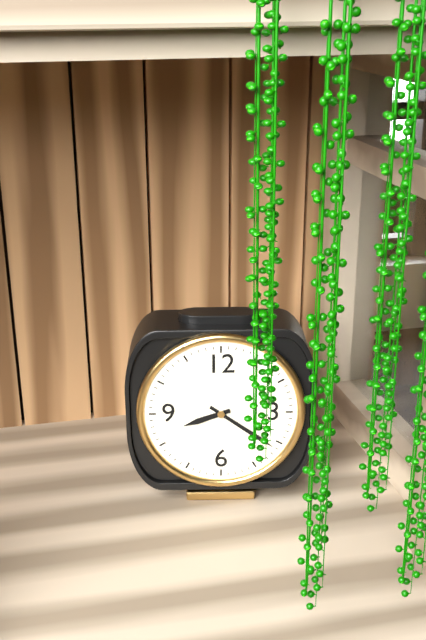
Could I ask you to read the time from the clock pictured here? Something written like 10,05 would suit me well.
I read 8,21
